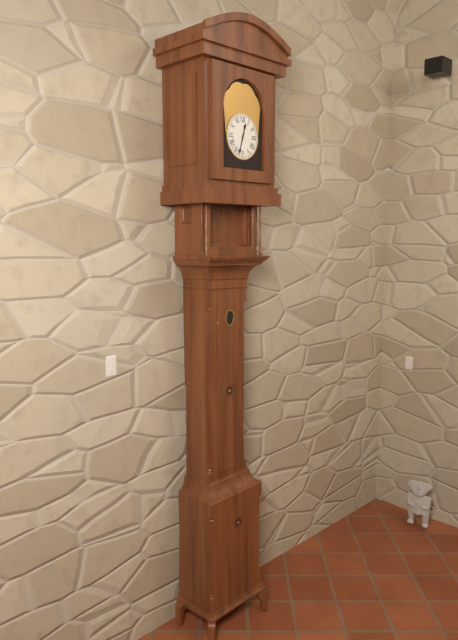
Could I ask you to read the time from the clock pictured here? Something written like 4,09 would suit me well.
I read 12,33
